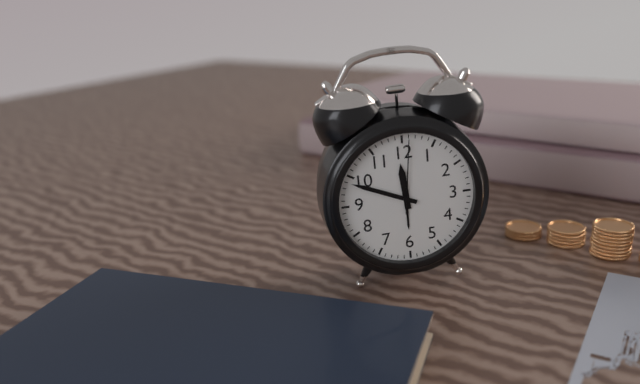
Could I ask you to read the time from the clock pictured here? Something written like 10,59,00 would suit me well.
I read 11,49,01
